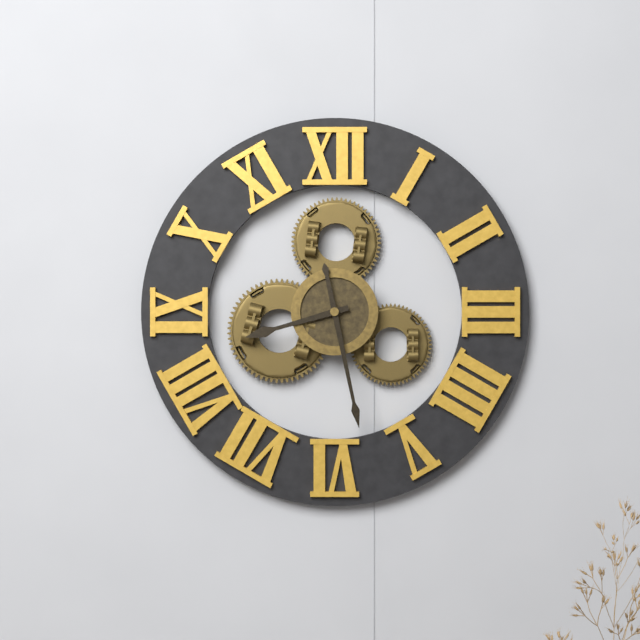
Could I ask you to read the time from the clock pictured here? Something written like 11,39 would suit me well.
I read 8,28
